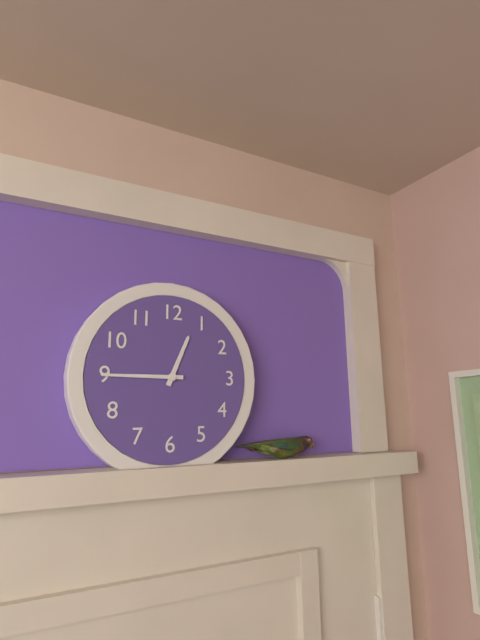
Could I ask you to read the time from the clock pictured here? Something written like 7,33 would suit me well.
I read 12,45
